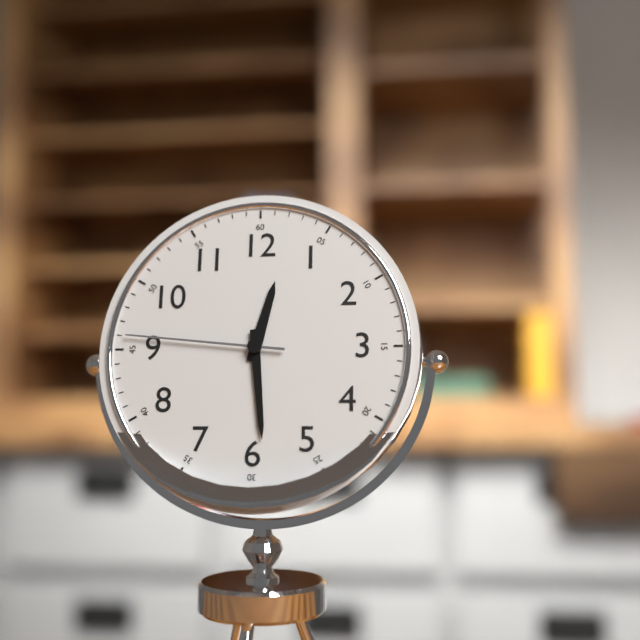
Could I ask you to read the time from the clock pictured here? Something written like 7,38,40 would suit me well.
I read 12,29,46
